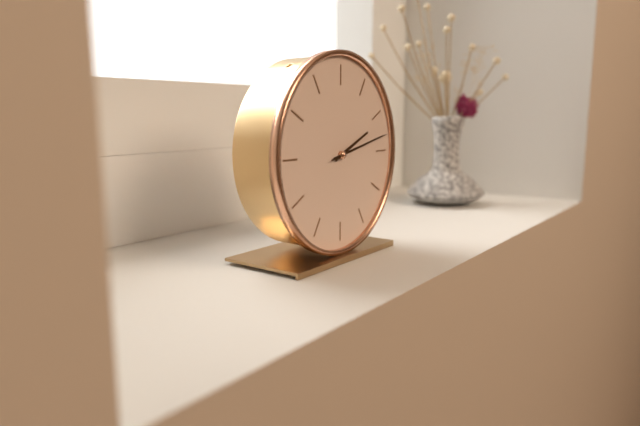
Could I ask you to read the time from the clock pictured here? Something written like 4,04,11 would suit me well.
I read 2,13,13
